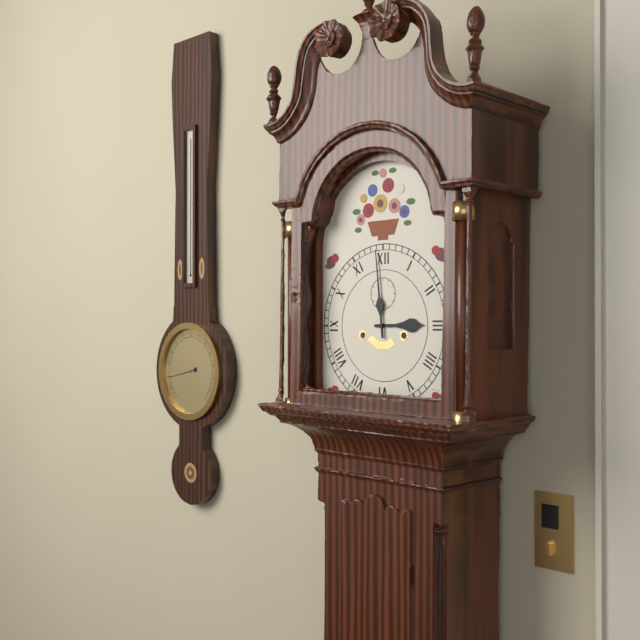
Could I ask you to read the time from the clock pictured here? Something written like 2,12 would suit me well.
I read 2,59
